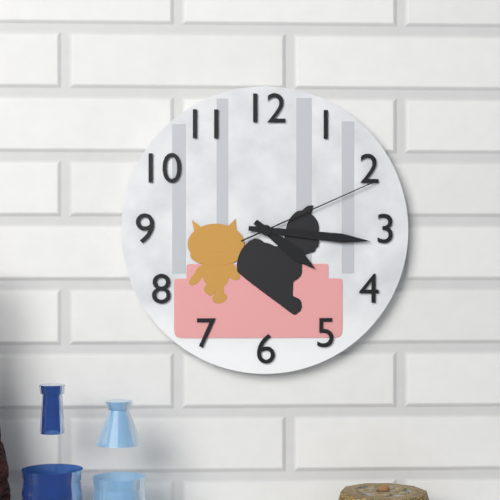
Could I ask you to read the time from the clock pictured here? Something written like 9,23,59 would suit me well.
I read 4,16,11
